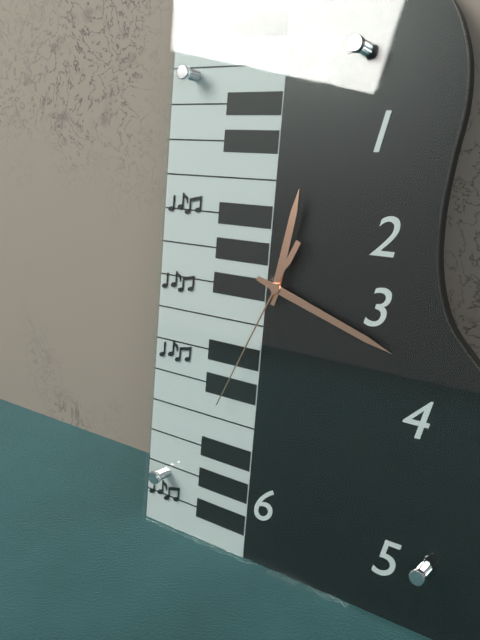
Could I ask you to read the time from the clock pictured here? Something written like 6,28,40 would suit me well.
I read 12,18,34
